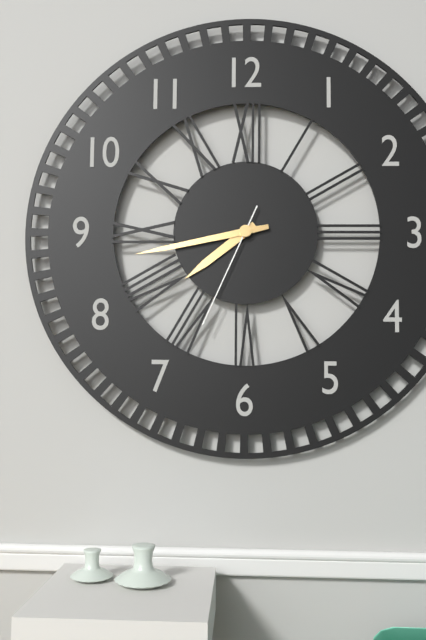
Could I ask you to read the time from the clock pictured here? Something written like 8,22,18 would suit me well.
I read 7,43,34
